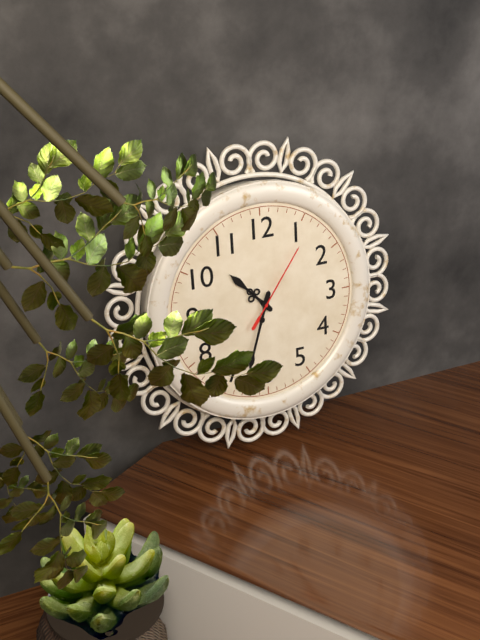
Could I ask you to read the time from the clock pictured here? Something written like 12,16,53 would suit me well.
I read 10,33,06
